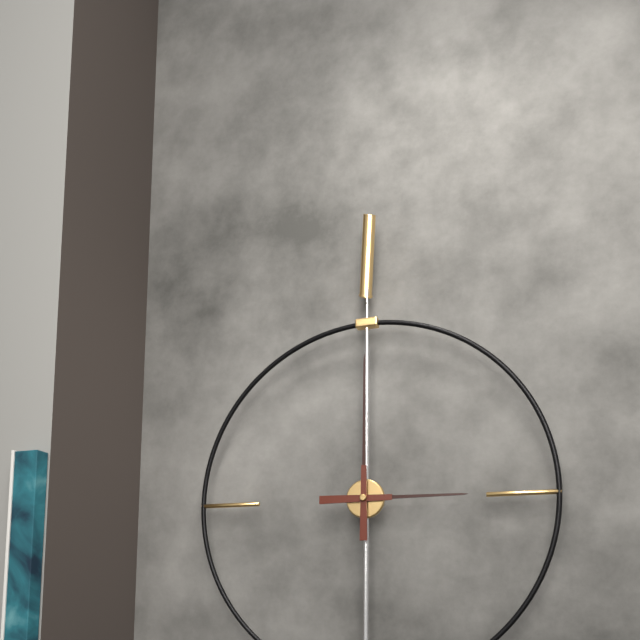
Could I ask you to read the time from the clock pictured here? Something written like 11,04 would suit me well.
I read 3,00
